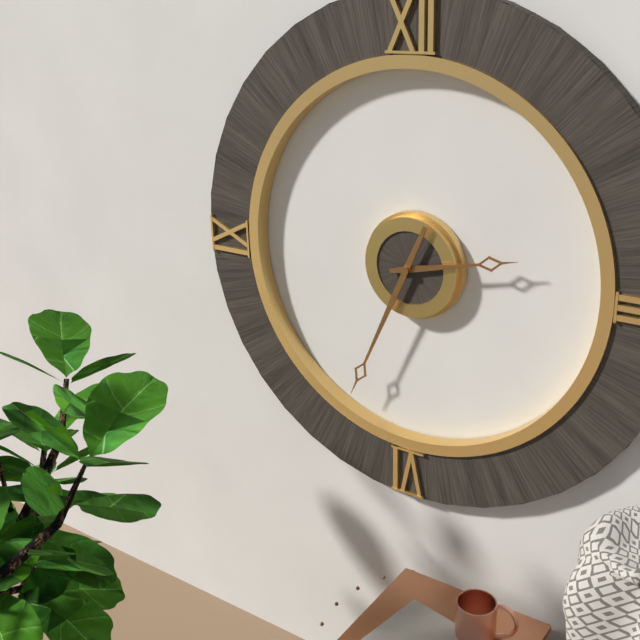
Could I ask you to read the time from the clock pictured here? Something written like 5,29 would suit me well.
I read 2,34
